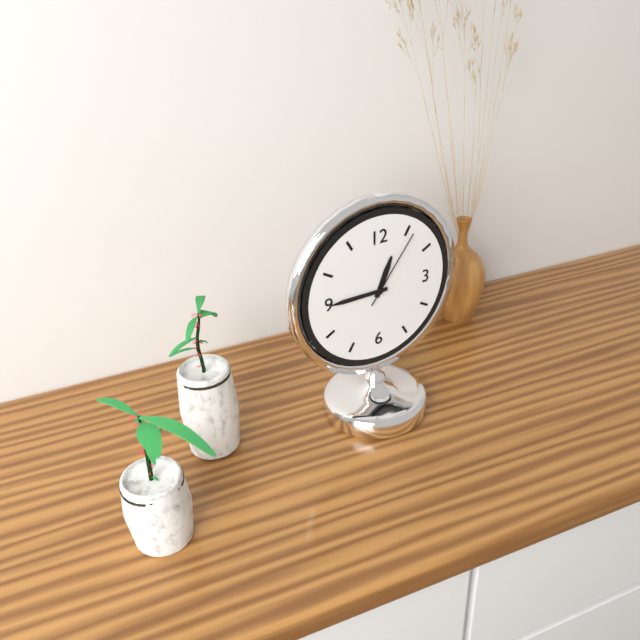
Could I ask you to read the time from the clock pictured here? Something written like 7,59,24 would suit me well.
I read 12,45,06
